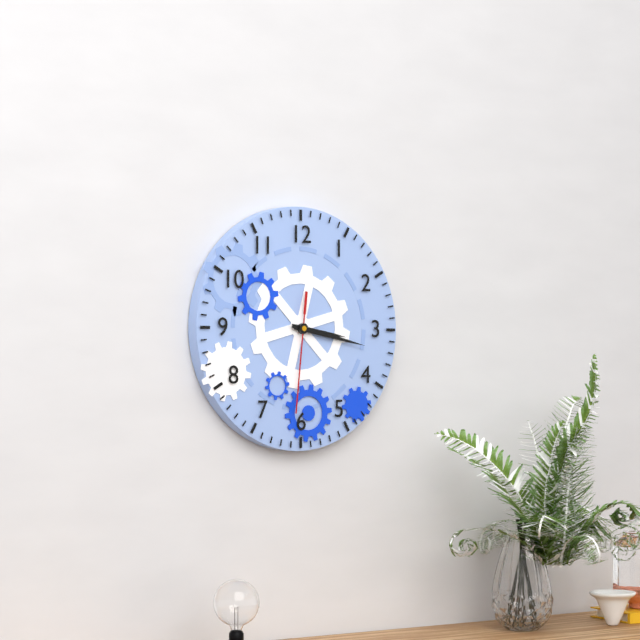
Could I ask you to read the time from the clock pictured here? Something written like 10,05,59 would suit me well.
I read 3,17,31
